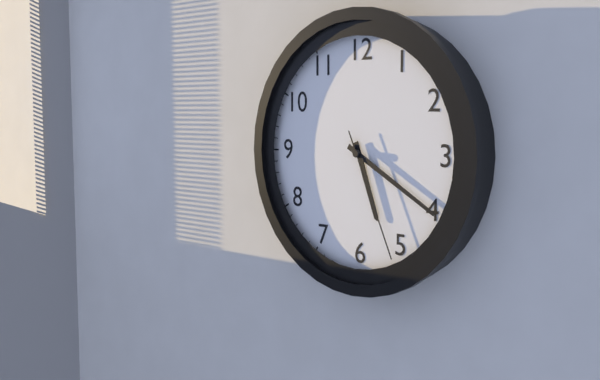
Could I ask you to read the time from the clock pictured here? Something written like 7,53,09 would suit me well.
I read 5,20,26
